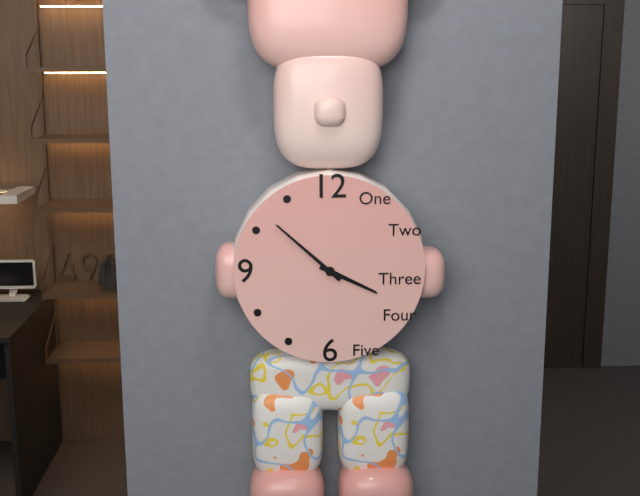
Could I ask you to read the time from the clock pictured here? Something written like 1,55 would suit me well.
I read 3,52
